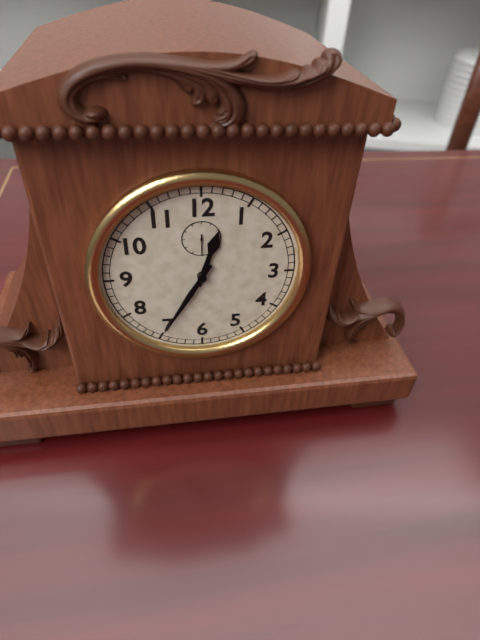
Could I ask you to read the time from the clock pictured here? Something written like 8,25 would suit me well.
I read 12,35
